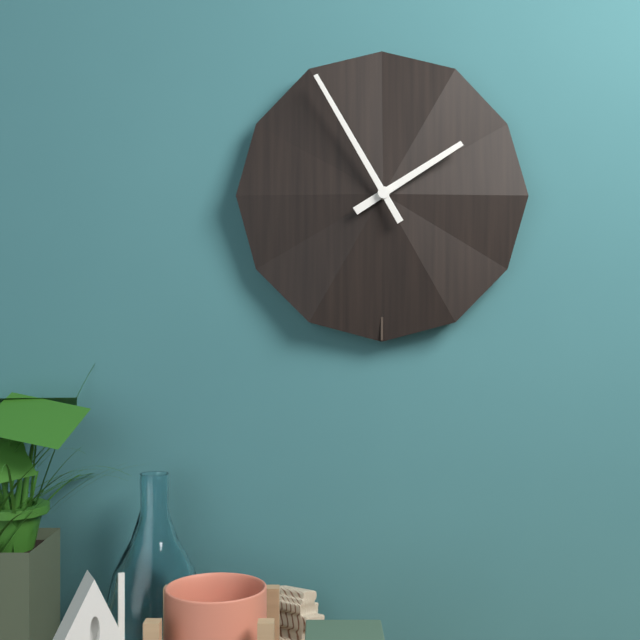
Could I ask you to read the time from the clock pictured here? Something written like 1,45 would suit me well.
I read 1,55
